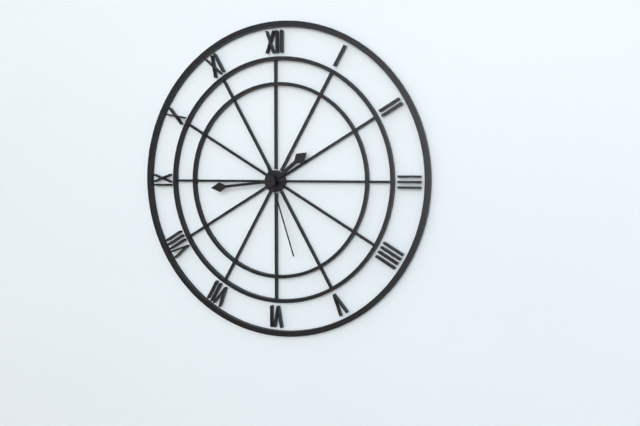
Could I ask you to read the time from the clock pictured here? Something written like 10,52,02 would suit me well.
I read 1,44,27
